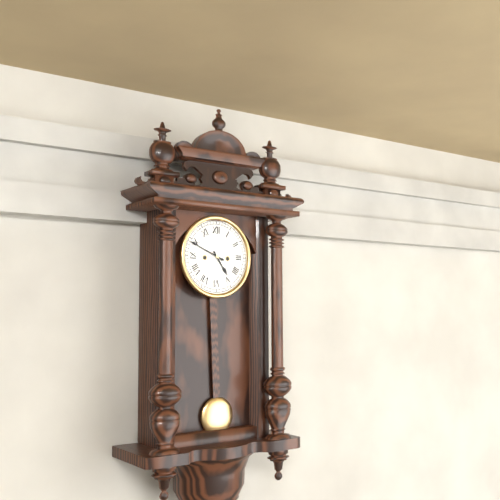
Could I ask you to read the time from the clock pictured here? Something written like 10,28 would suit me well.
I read 4,49
